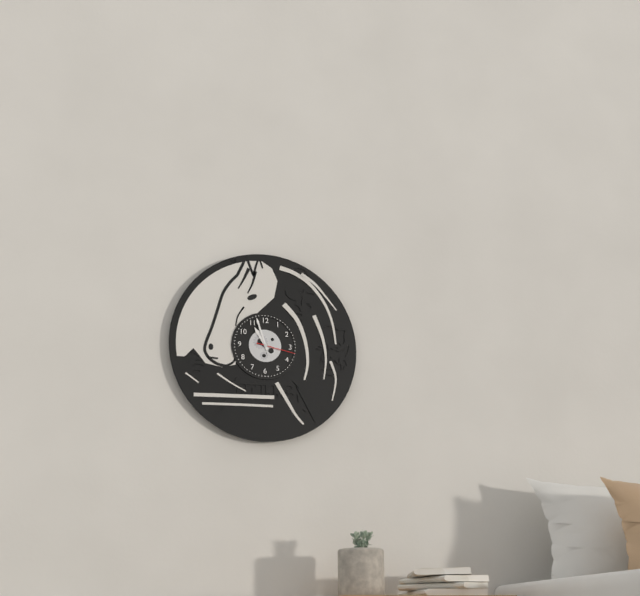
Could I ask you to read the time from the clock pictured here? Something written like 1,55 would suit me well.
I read 10,57
